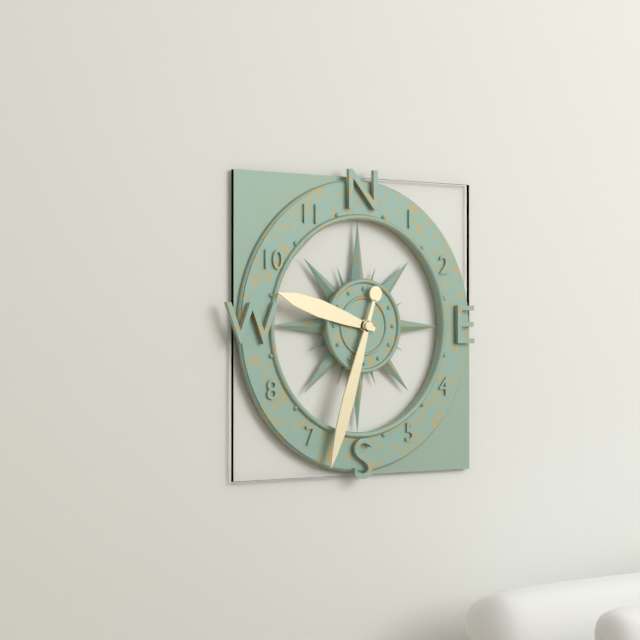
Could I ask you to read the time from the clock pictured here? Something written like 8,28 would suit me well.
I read 9,33
